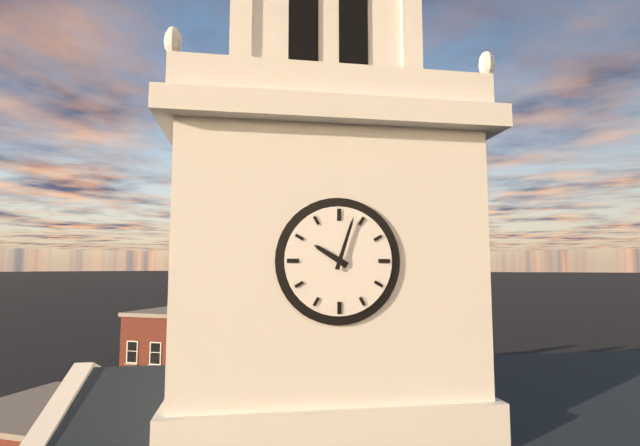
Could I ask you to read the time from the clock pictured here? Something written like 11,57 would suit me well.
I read 10,03
